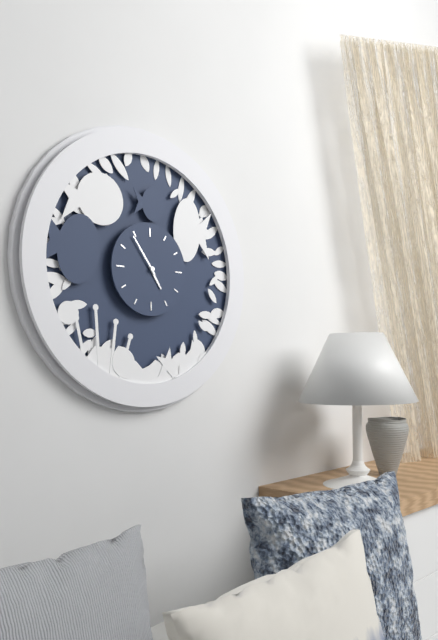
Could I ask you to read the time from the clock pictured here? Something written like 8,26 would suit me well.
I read 4,54
